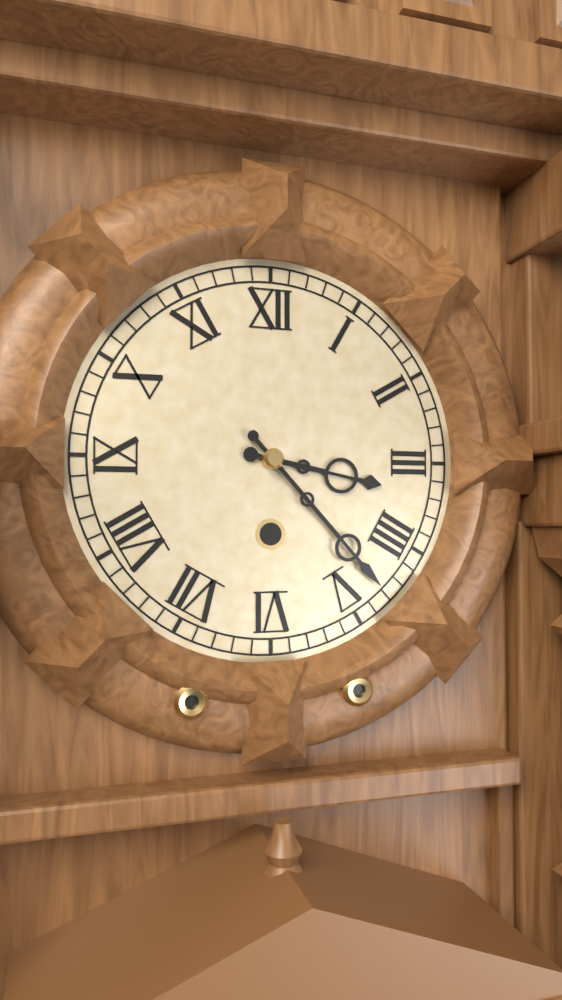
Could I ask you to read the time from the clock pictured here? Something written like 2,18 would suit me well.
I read 3,23
